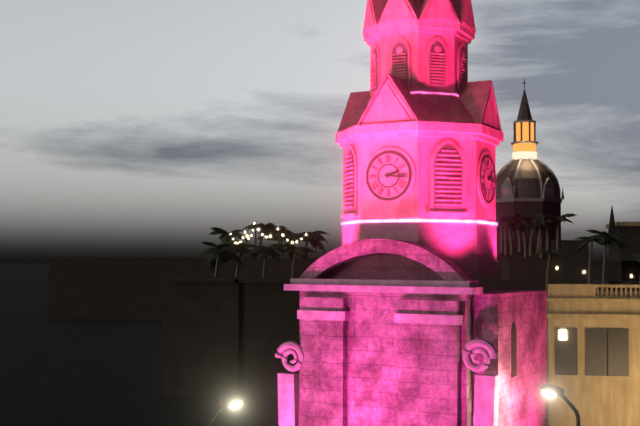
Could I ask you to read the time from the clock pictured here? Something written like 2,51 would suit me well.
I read 2,16
